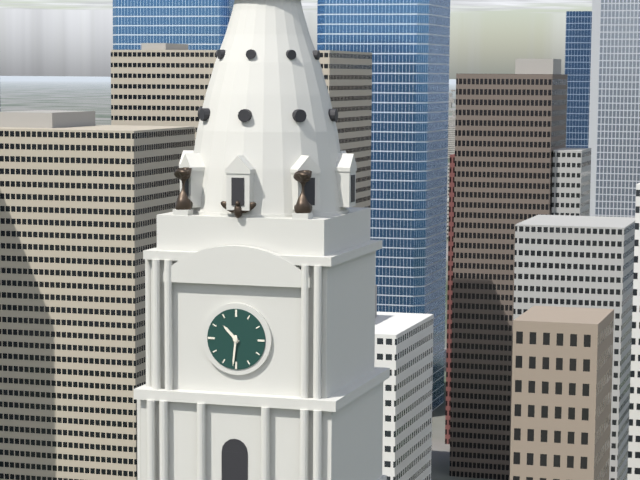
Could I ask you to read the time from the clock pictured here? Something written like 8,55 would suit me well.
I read 10,31
